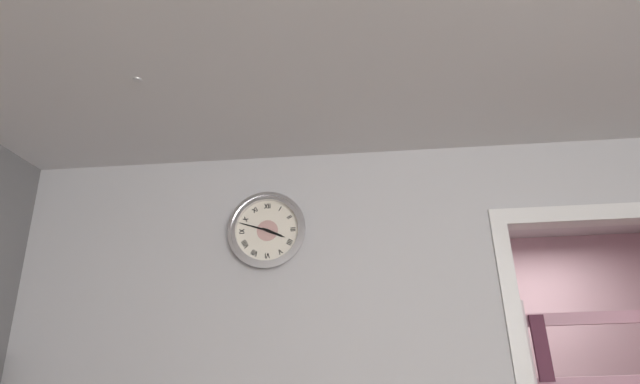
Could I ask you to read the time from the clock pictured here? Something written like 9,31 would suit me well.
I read 3,48
